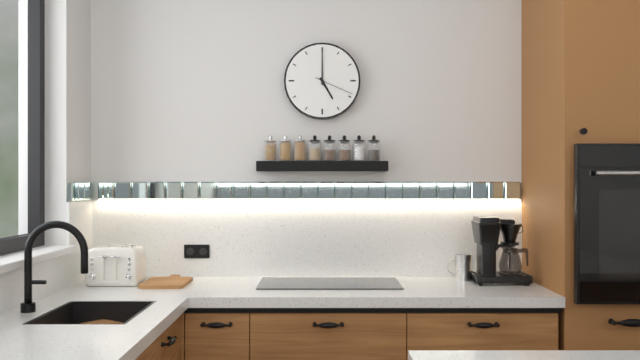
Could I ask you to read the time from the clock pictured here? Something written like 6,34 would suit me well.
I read 5,00
